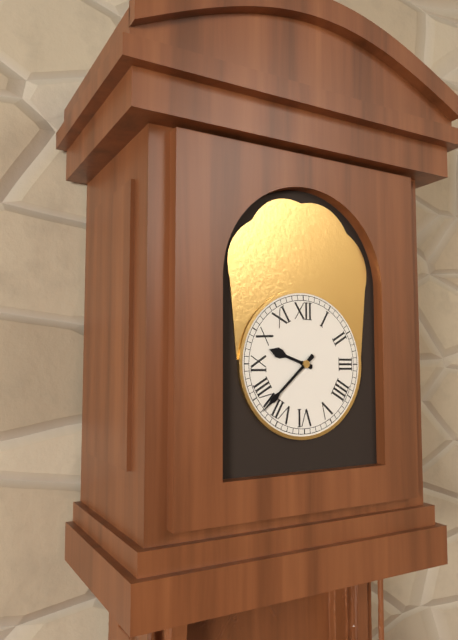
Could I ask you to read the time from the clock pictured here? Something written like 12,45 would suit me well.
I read 9,38
